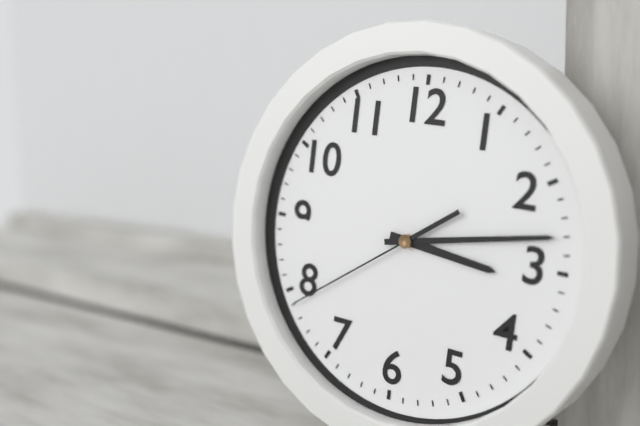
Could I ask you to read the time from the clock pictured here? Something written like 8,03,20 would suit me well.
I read 3,13,39
